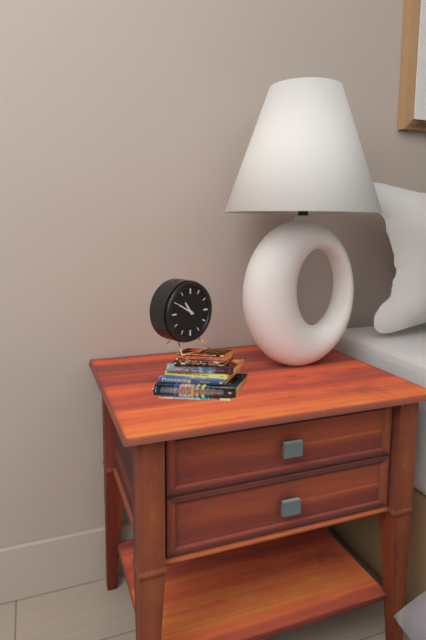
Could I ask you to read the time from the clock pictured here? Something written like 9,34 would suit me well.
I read 10,50
